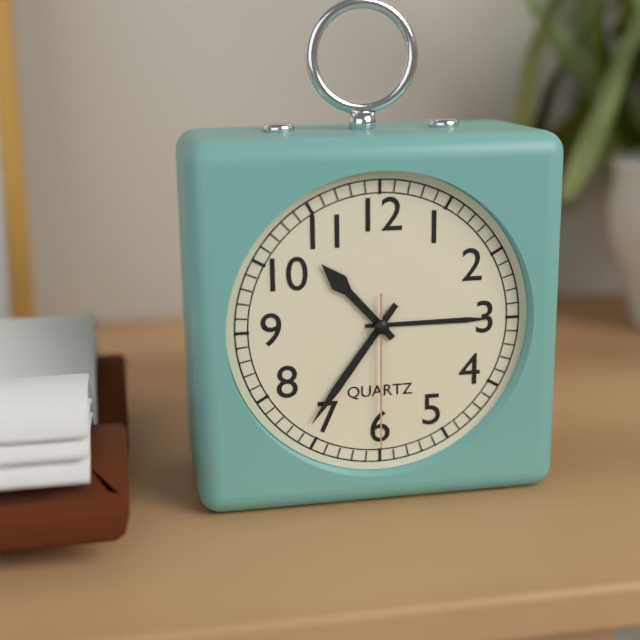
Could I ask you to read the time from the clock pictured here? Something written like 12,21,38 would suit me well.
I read 10,36,30
